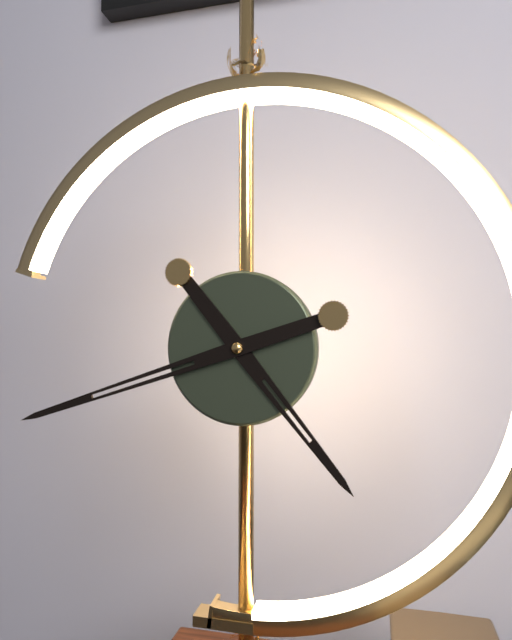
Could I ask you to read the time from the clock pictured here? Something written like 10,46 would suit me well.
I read 4,42
